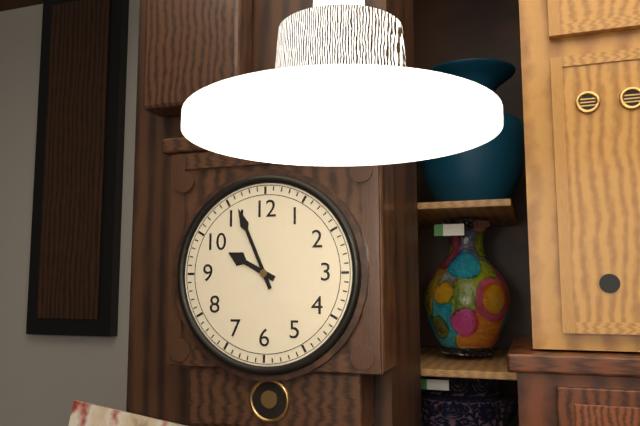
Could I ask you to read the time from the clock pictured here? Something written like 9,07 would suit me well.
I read 9,56
